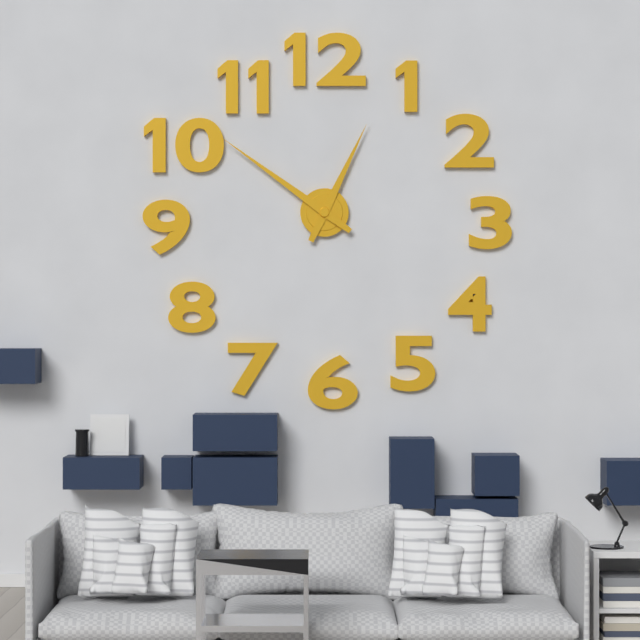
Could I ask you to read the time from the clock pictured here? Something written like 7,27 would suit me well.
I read 12,51
